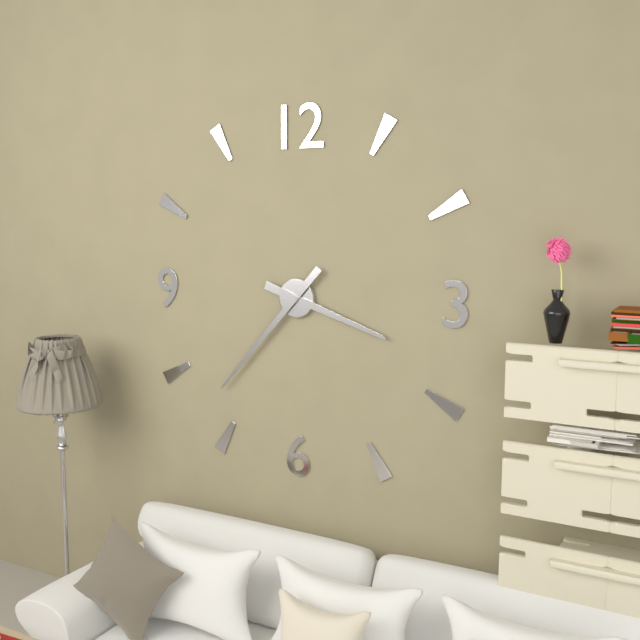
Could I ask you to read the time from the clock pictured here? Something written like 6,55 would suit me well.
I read 3,37
